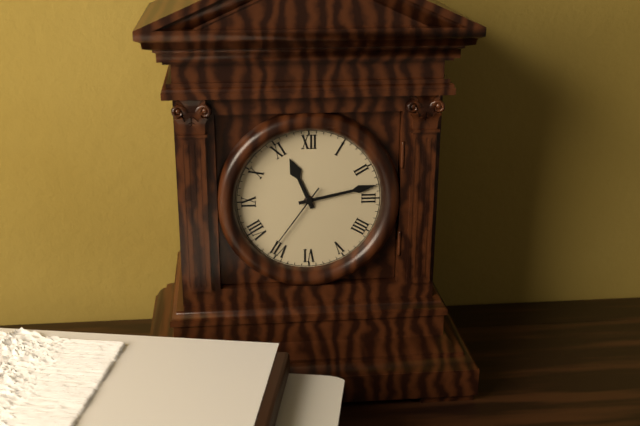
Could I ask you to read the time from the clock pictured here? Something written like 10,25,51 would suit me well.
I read 11,13,36
